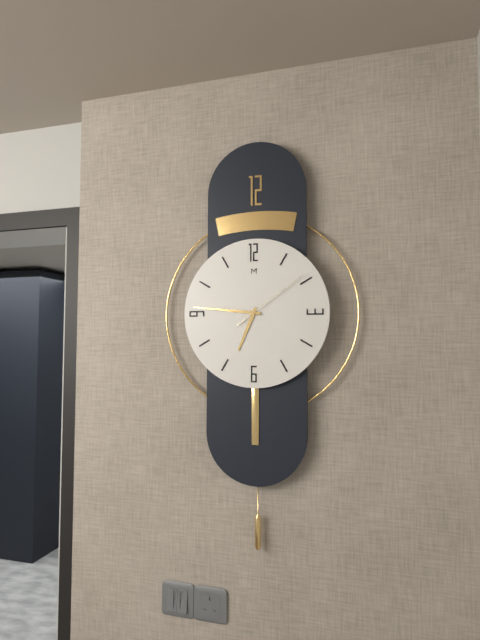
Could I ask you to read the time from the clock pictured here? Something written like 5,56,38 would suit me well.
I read 6,46,09
